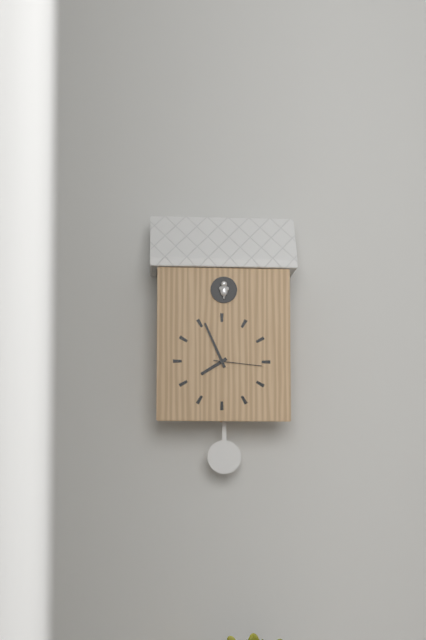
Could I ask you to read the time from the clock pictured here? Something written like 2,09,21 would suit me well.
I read 7,56,16
